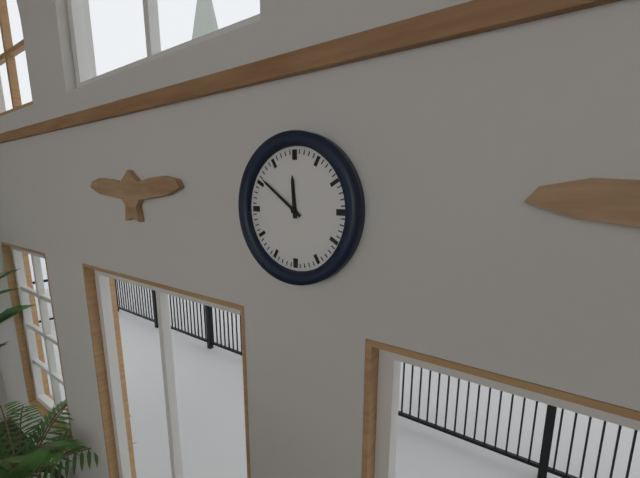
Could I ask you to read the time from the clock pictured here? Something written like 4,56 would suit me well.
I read 11,51
